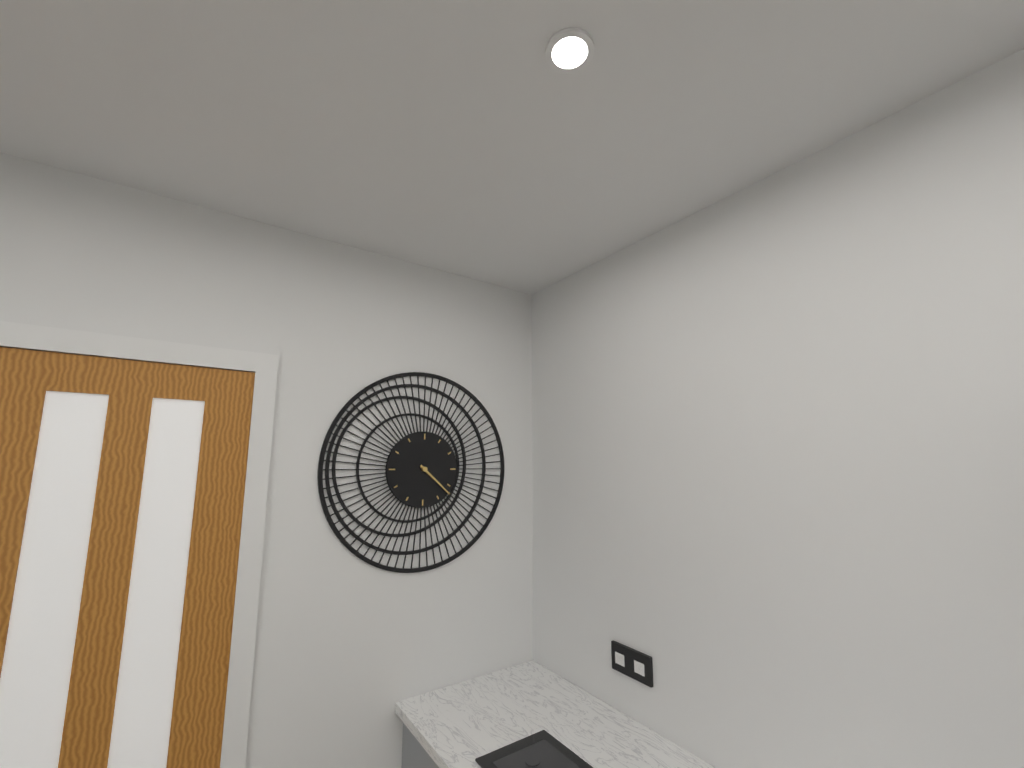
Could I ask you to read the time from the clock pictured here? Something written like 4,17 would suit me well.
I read 4,22
